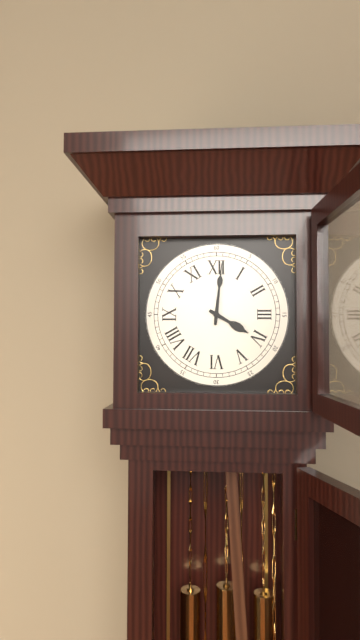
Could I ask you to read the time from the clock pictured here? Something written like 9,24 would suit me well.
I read 4,01
